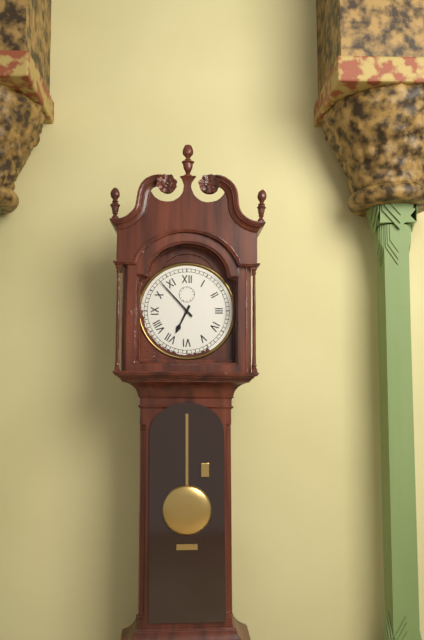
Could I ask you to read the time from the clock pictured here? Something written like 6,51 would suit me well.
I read 6,53
